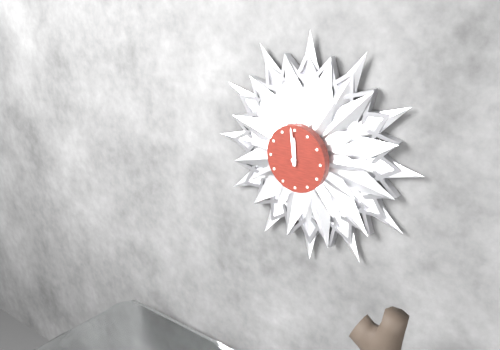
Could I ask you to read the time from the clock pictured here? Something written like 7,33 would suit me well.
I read 11,59
